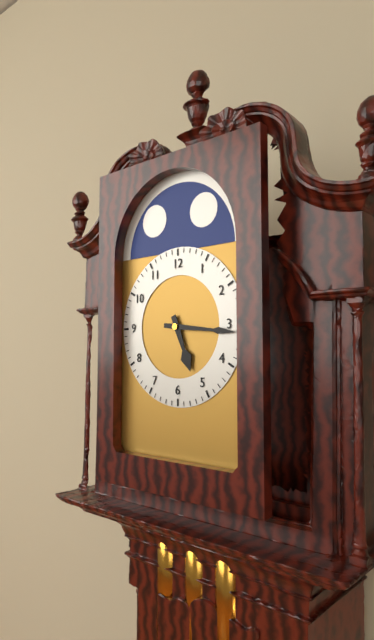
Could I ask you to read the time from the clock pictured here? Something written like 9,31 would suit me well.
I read 5,16
